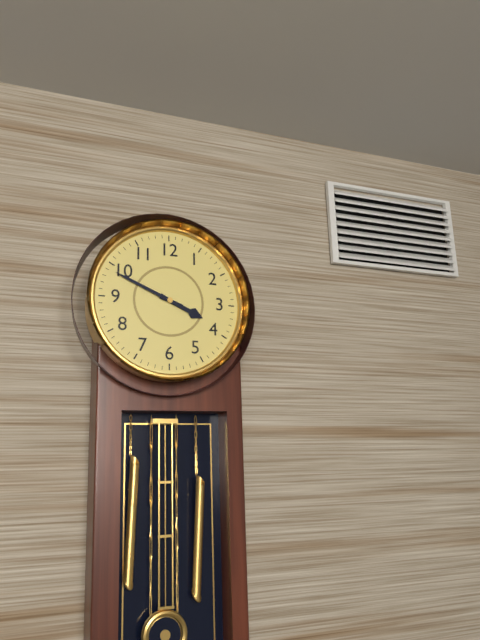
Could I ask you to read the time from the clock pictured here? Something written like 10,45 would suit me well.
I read 3,49
